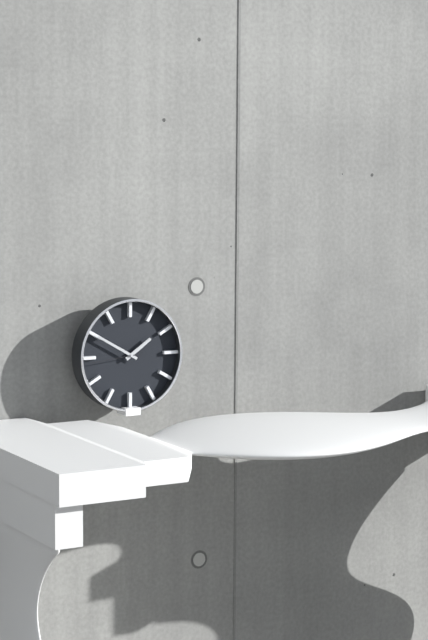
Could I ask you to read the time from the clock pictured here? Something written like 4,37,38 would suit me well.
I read 1,50,44
